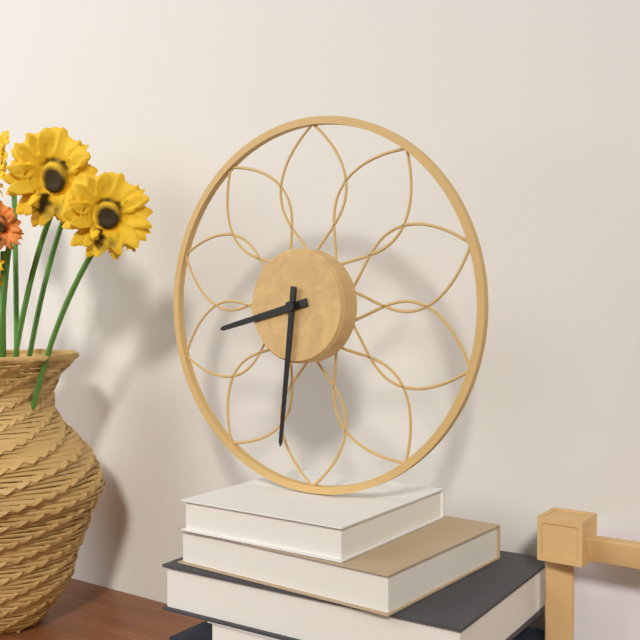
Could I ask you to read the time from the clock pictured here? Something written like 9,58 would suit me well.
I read 8,31
